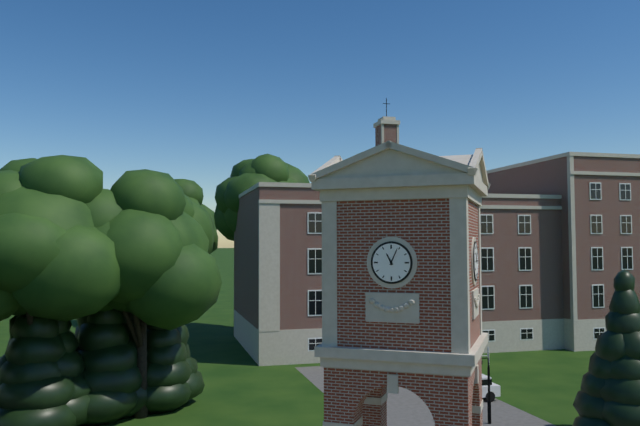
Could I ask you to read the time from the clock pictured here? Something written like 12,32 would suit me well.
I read 11,04
